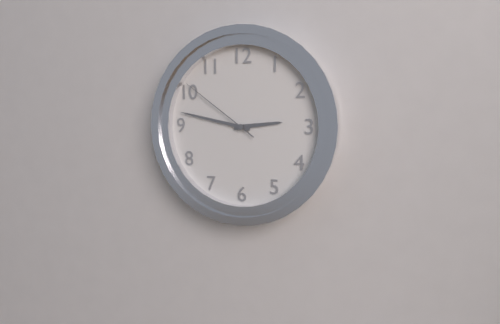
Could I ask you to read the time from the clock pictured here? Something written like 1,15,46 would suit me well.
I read 2,47,51
